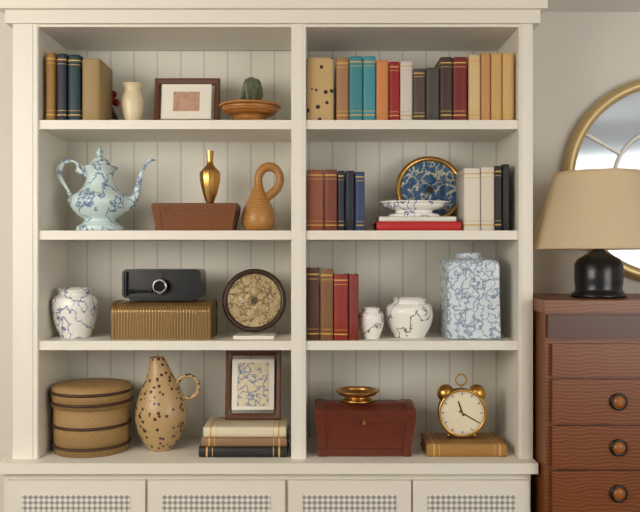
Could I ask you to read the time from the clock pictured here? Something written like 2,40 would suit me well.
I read 11,20
